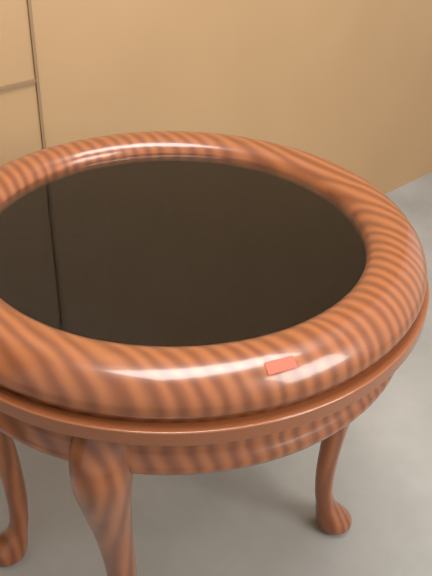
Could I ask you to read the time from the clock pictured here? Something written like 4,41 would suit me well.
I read 9,36
